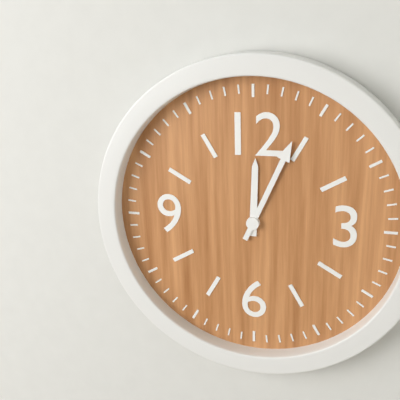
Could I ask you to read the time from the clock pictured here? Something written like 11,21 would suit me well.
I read 12,04
